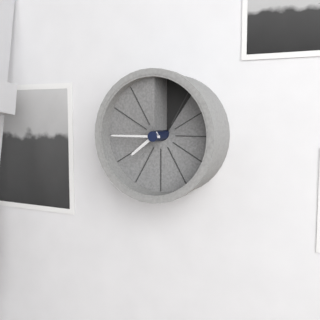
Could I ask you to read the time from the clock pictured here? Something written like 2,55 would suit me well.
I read 7,45
